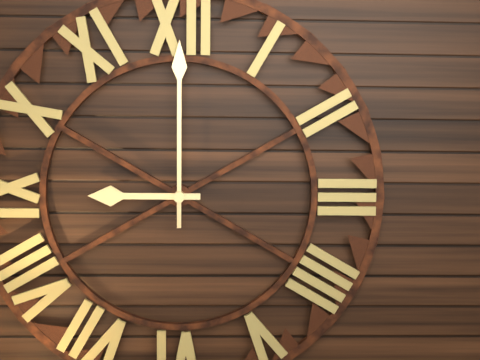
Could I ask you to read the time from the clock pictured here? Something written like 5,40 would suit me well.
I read 9,00
